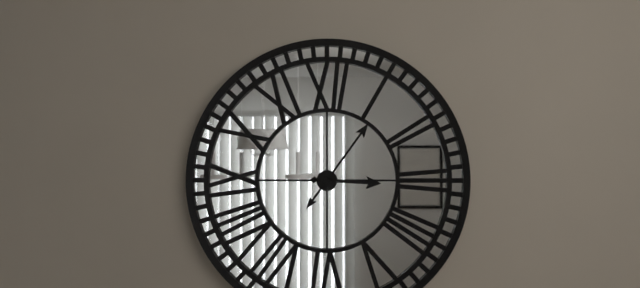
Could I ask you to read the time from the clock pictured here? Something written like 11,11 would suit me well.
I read 3,06
